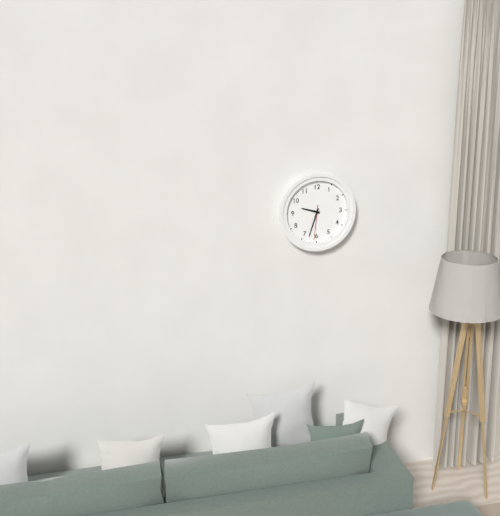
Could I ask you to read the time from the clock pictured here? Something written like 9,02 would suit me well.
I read 9,33
